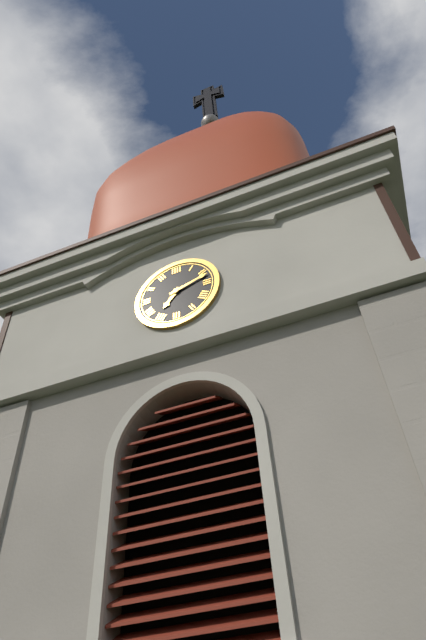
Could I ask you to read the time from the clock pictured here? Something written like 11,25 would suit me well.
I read 7,12
